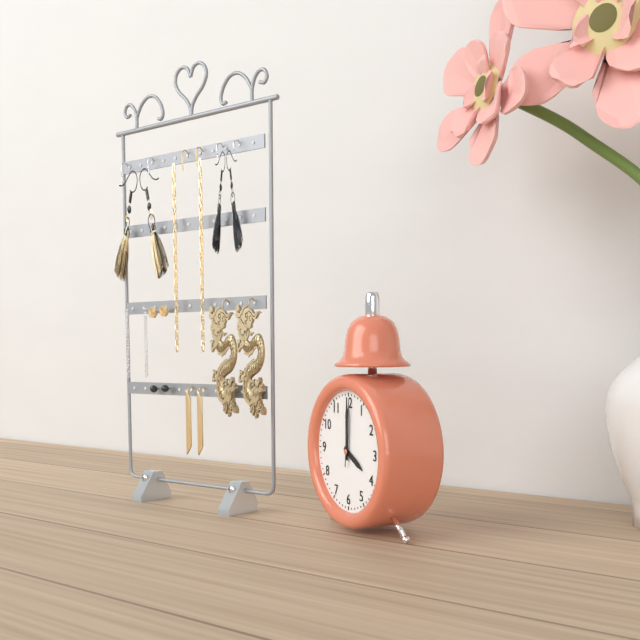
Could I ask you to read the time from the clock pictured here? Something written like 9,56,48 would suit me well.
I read 4,00,01
